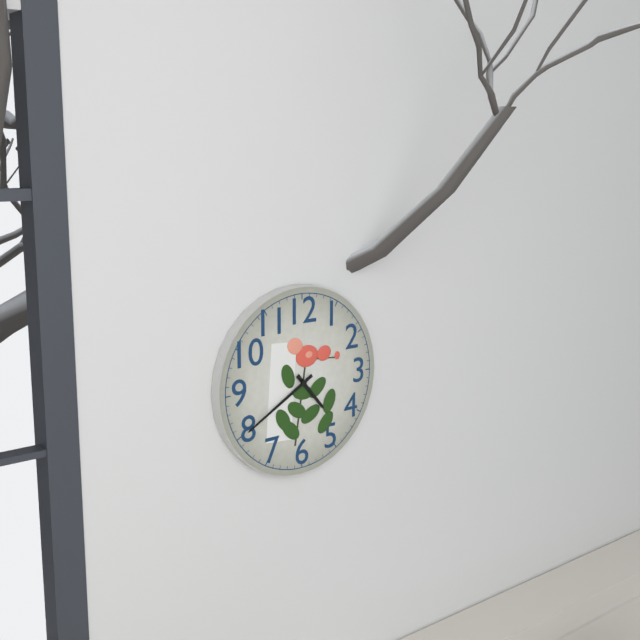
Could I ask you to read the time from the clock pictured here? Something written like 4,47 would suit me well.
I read 4,40
